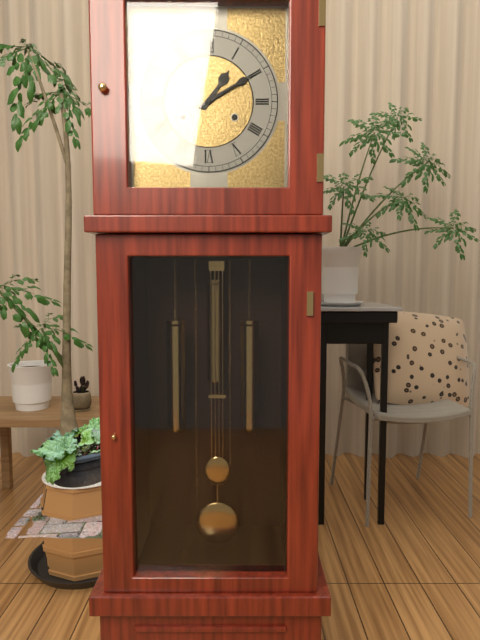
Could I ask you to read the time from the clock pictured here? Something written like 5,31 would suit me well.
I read 1,10
